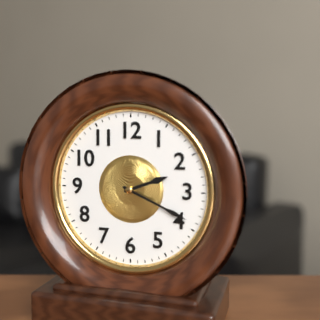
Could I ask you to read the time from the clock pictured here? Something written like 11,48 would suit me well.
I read 2,19
